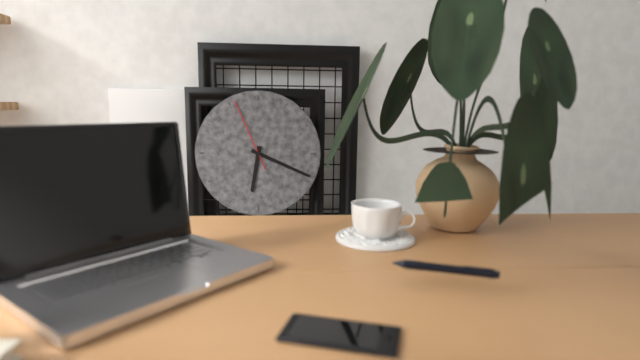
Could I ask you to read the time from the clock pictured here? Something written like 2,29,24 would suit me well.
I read 6,19,56
